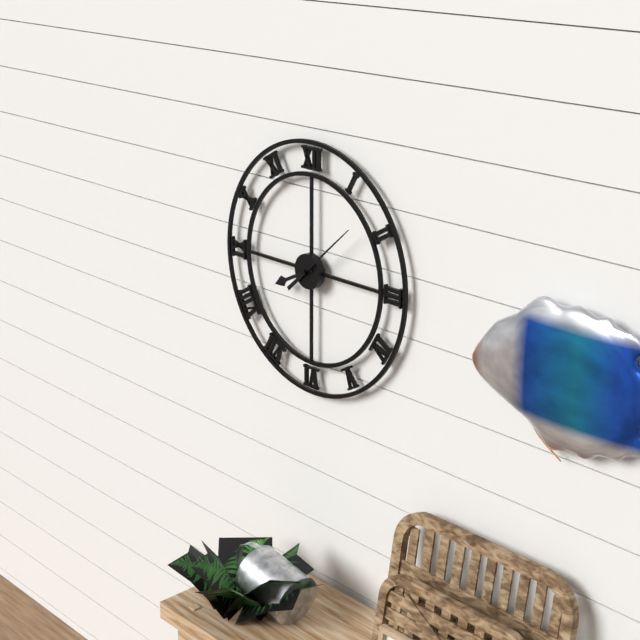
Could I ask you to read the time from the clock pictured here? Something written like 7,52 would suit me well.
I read 8,08
